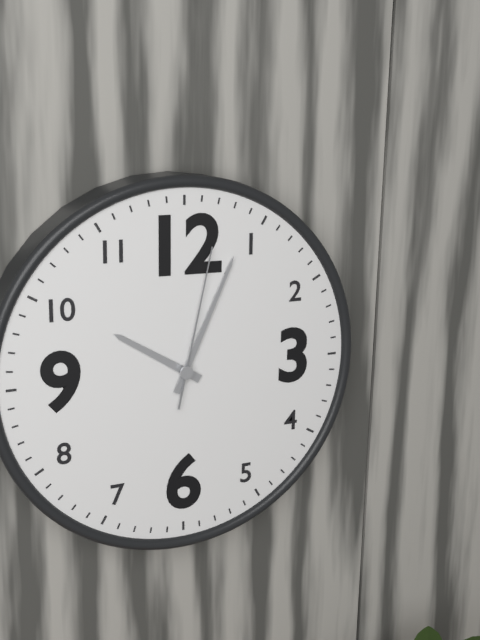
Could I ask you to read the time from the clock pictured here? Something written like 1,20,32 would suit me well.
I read 10,04,02
